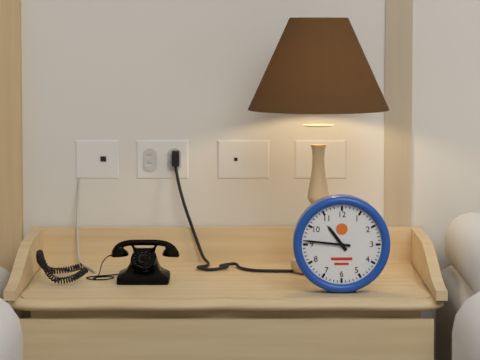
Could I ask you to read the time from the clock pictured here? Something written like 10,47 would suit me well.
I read 10,46
